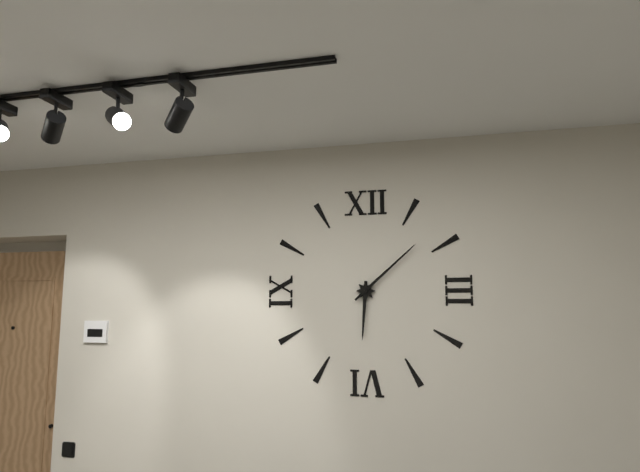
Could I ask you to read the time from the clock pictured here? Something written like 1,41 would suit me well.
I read 6,08
